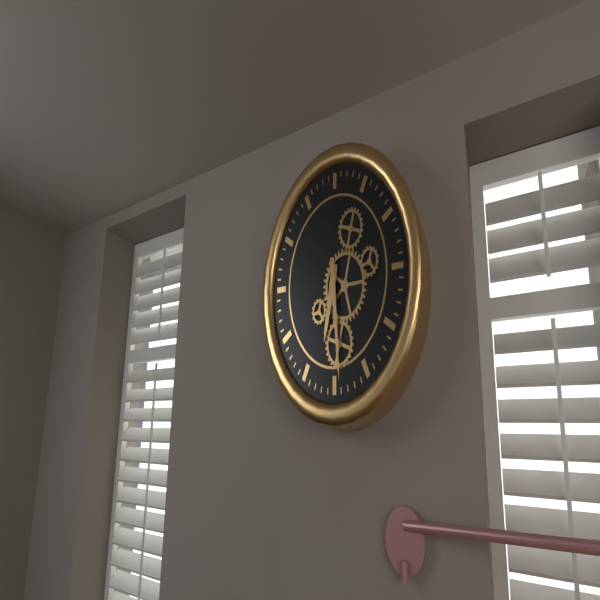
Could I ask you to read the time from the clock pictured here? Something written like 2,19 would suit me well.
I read 6,29
